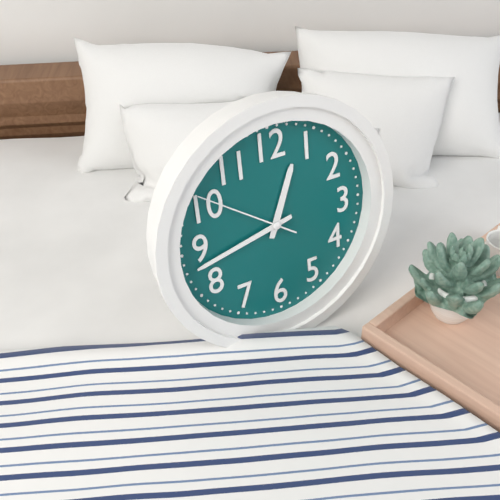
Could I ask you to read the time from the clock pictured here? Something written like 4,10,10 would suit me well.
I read 12,43,51
